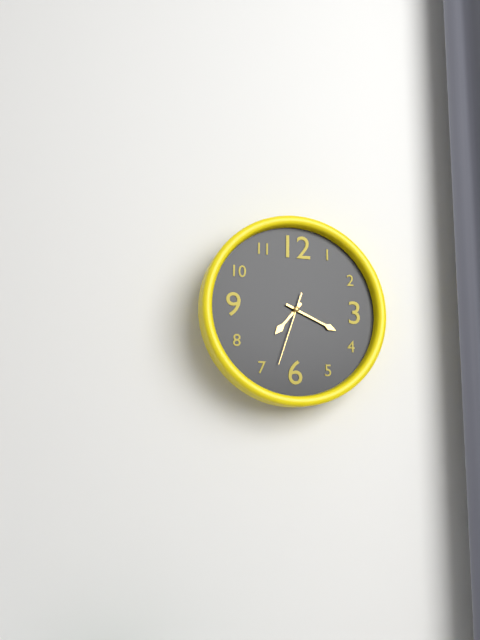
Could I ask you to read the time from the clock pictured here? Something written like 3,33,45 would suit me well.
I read 7,19,33
